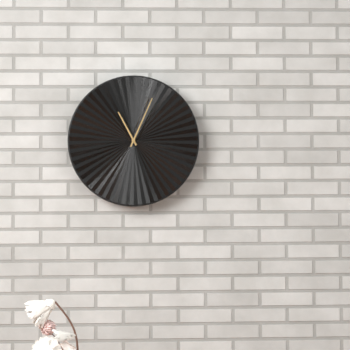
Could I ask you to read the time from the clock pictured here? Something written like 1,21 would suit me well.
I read 11,04
